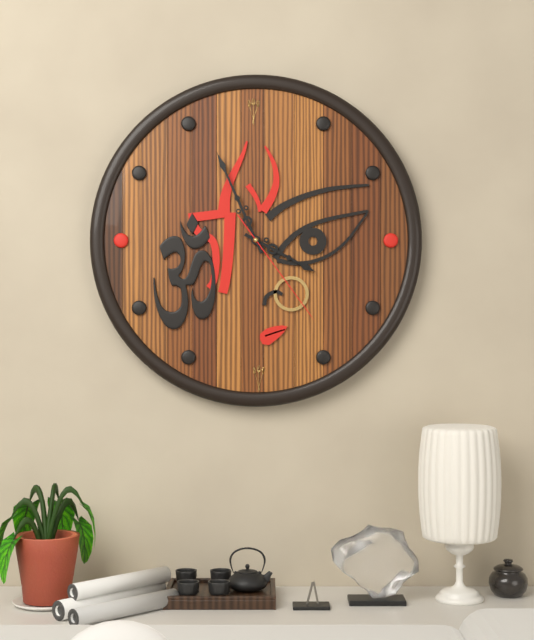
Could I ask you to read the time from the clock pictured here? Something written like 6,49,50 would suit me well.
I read 3,56,24
